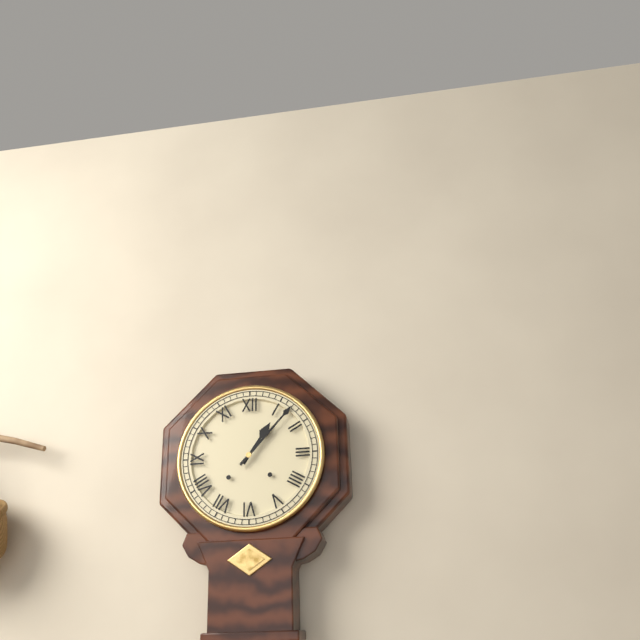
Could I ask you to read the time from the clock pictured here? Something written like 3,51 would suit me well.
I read 1,07
